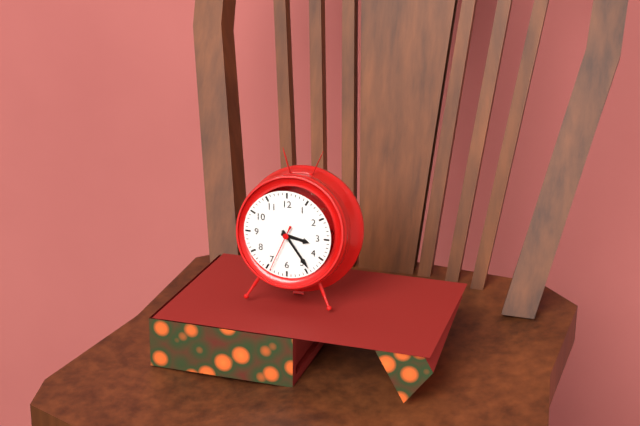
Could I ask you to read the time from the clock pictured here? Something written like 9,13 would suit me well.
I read 3,24
